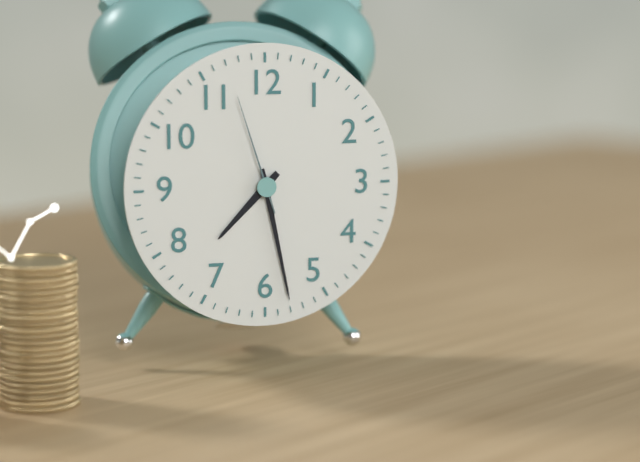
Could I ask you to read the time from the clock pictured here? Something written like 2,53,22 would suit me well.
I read 7,28,57
